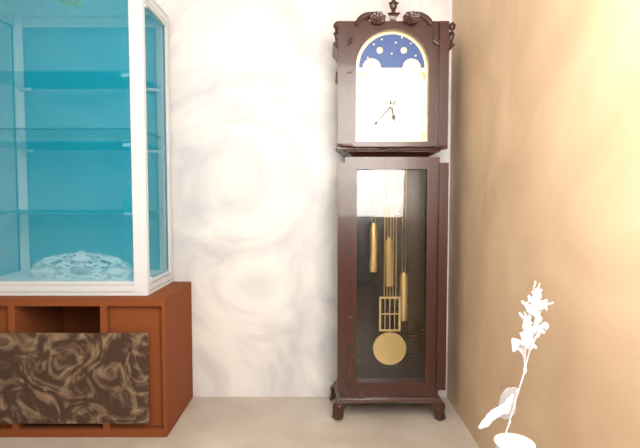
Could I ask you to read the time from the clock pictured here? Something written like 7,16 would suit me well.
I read 5,37
